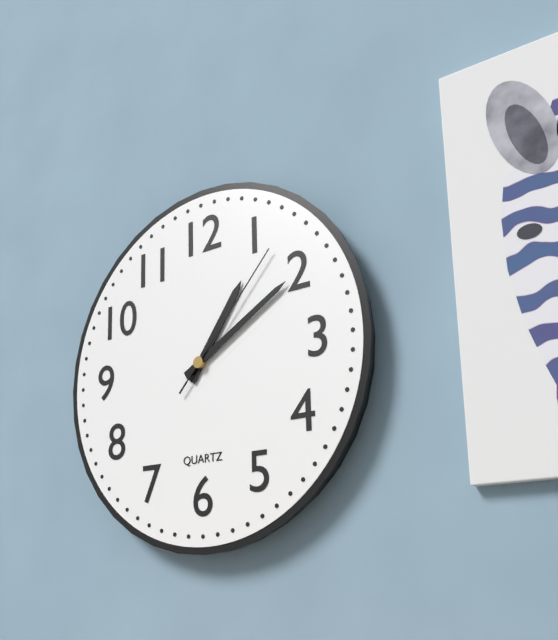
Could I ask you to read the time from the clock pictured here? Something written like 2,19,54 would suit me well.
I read 1,10,07
